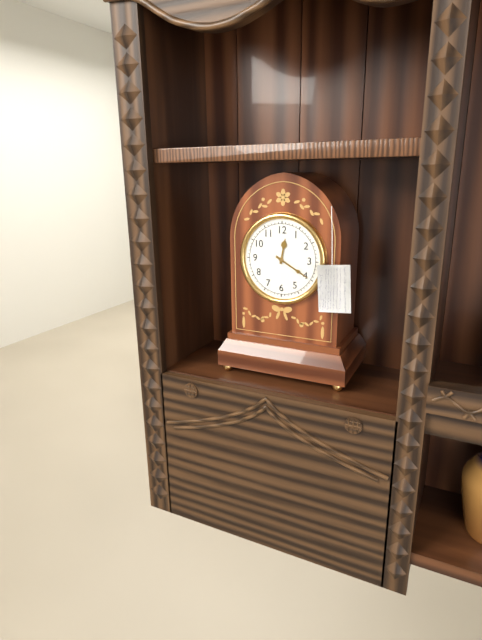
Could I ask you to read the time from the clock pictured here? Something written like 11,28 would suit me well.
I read 12,20
